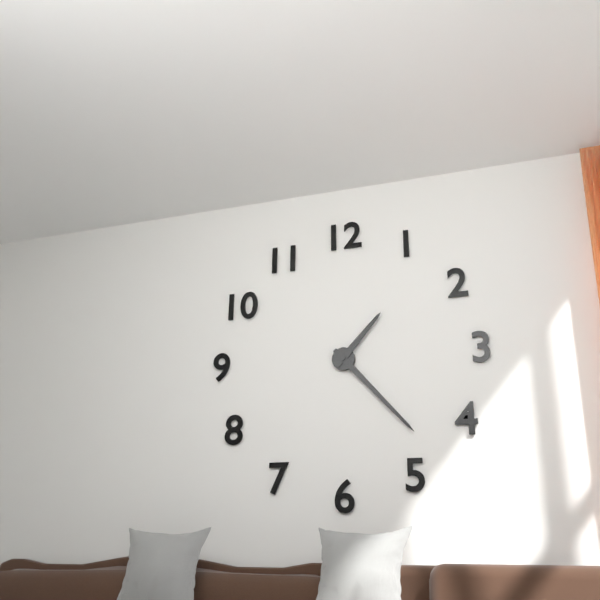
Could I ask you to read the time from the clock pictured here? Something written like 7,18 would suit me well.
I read 1,23
